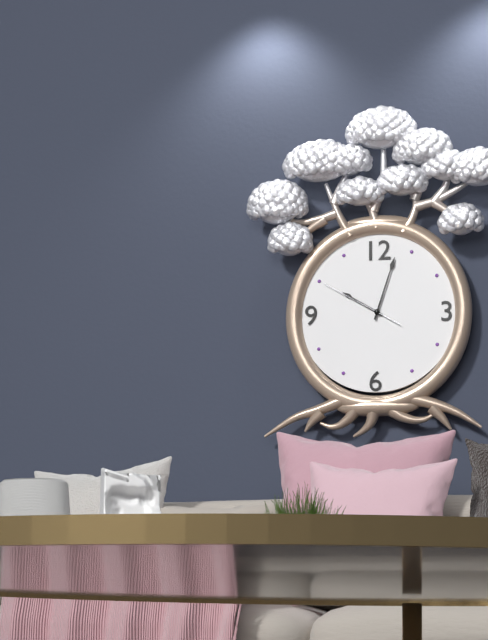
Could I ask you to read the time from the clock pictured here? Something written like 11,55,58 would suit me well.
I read 10,03,50
